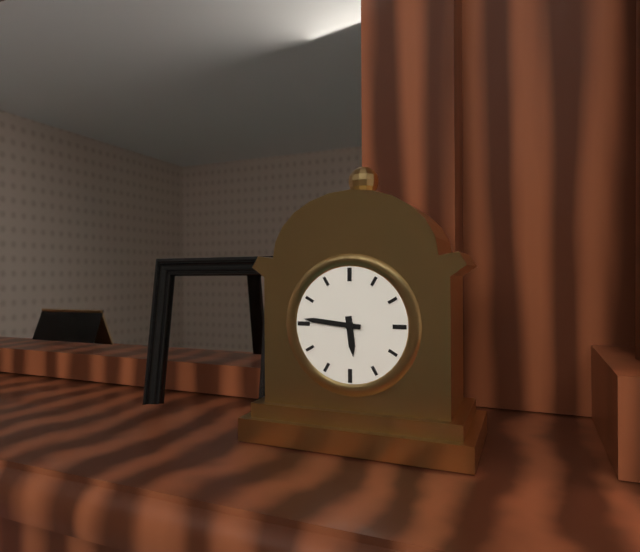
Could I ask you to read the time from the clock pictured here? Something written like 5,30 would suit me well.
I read 5,46
